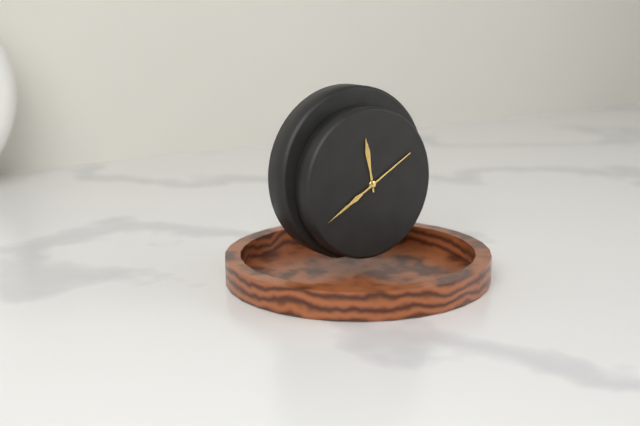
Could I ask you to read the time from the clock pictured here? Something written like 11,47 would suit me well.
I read 11,40
